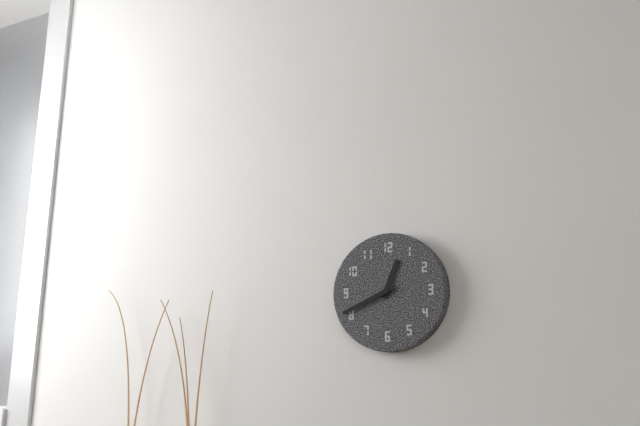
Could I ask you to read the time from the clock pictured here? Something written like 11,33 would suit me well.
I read 12,41
